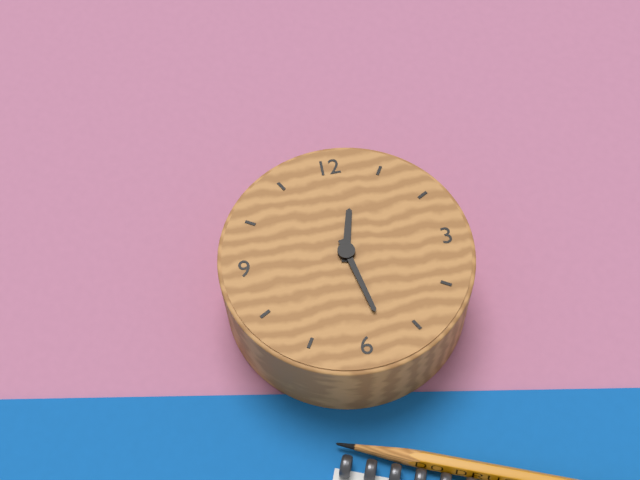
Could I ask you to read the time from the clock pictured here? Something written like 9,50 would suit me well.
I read 12,28
